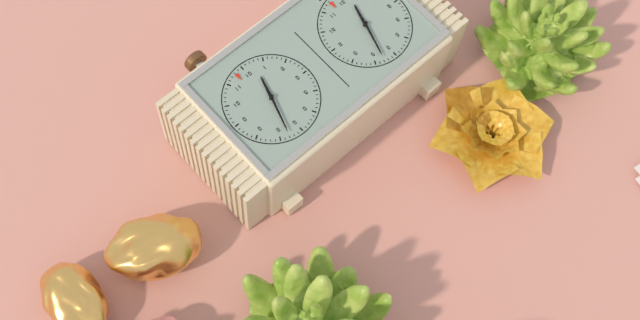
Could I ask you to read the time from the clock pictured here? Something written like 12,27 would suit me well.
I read 12,33
